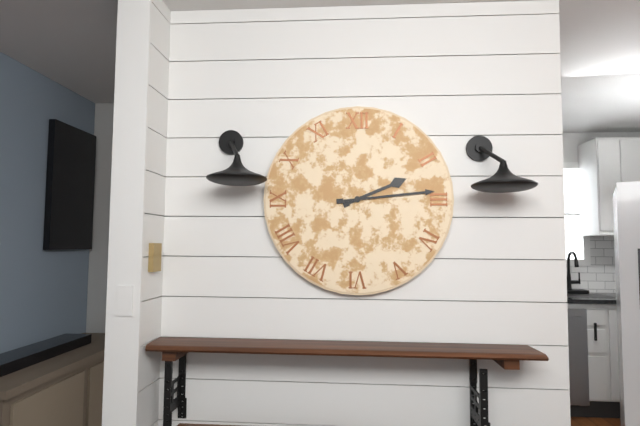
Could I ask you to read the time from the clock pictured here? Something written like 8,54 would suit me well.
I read 2,14
